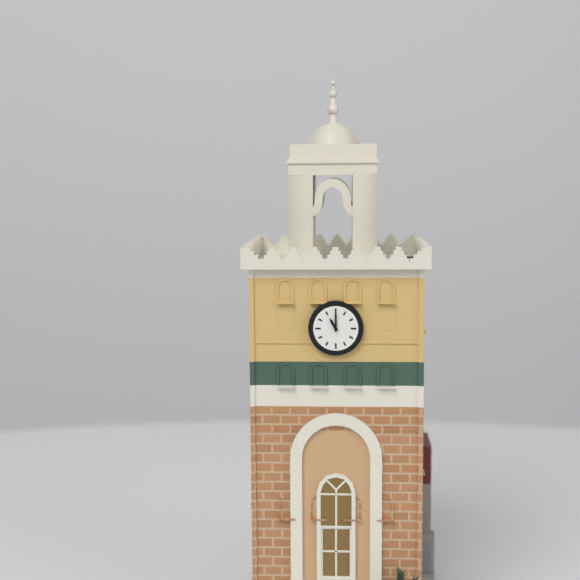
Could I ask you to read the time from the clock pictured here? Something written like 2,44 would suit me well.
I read 11,00
